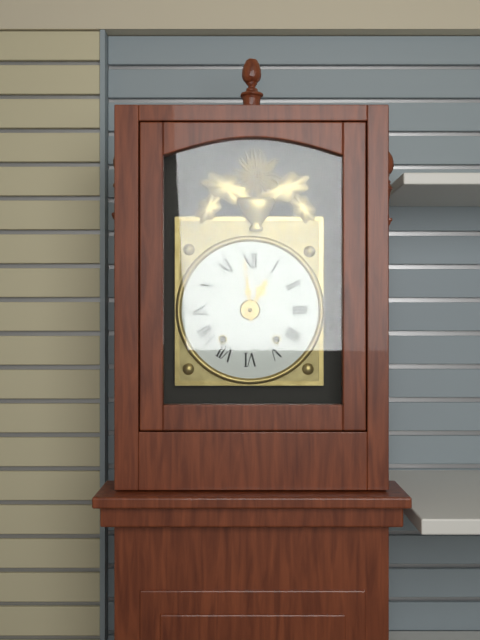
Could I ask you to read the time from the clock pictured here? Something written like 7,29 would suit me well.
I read 12,59
